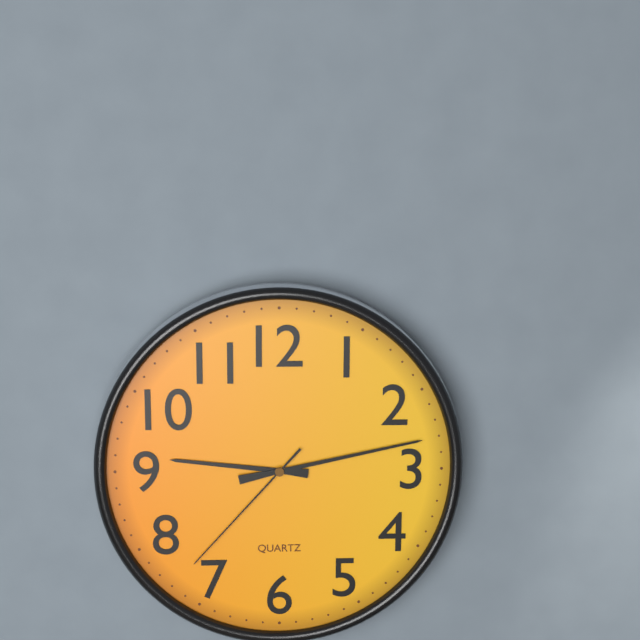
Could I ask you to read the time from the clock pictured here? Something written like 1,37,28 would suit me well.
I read 9,13,37
